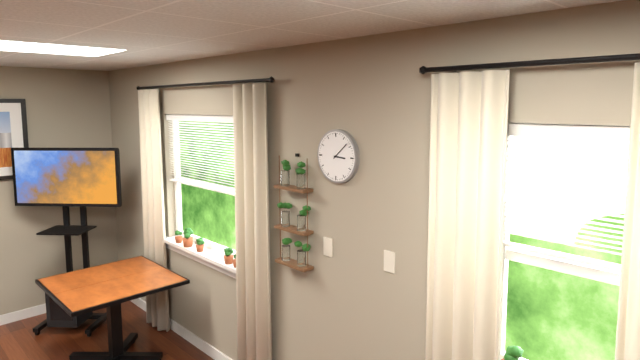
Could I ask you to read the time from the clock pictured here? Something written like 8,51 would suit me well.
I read 3,08
